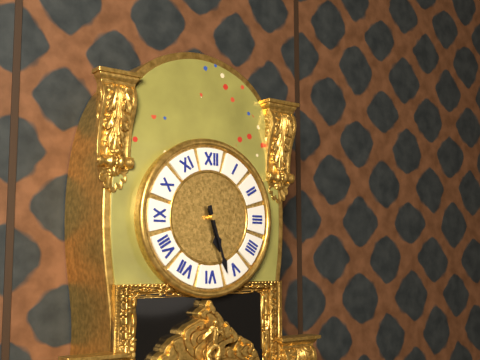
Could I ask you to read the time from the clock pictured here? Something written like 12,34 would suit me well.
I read 5,27
